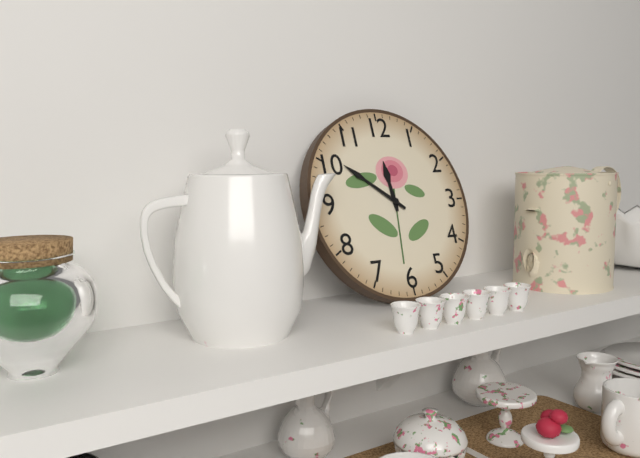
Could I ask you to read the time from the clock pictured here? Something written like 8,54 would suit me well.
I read 11,51
